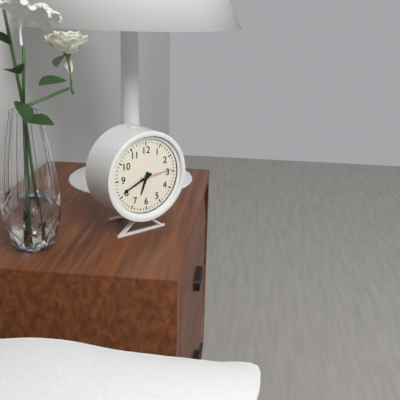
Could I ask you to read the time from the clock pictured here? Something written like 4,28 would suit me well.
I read 6,41
